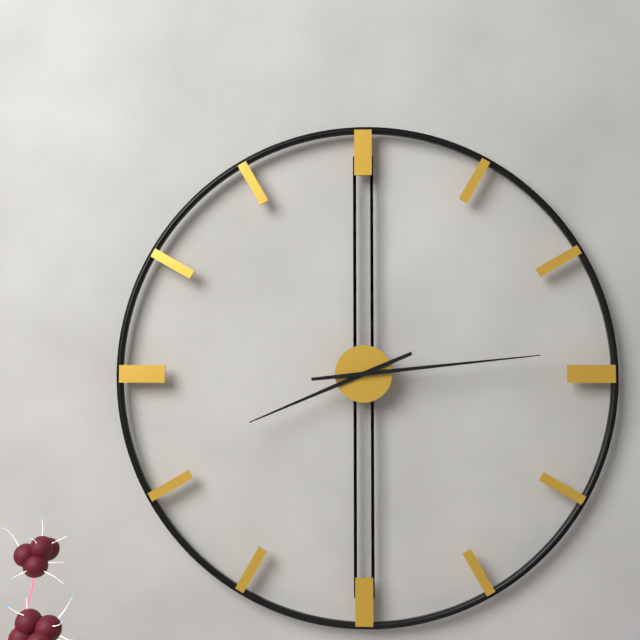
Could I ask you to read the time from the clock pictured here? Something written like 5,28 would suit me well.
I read 8,14
